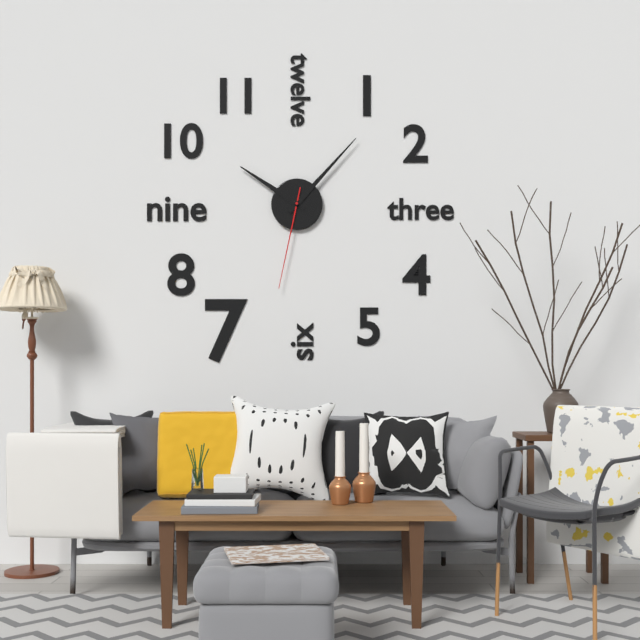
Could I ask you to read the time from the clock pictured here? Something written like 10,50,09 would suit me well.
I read 10,07,32
